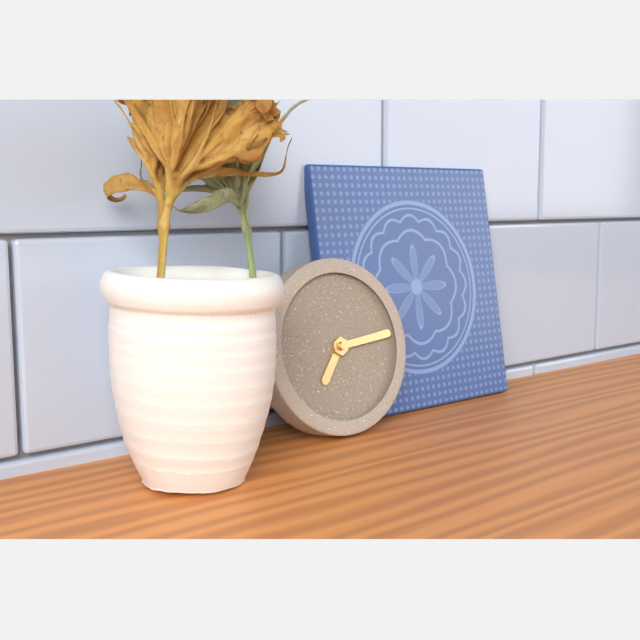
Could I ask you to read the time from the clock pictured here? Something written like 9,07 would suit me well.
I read 7,14
